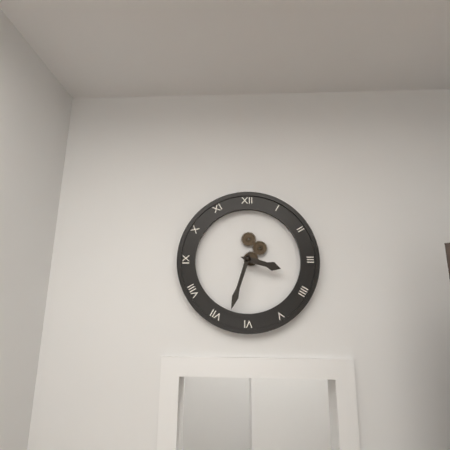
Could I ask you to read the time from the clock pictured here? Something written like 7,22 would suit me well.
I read 3,33
